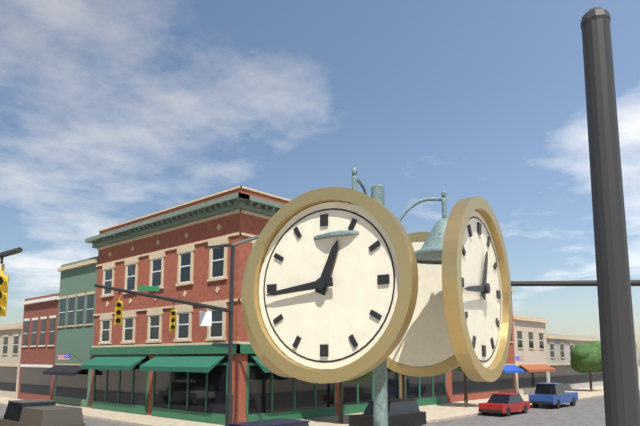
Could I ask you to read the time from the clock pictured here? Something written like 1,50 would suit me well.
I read 12,44
